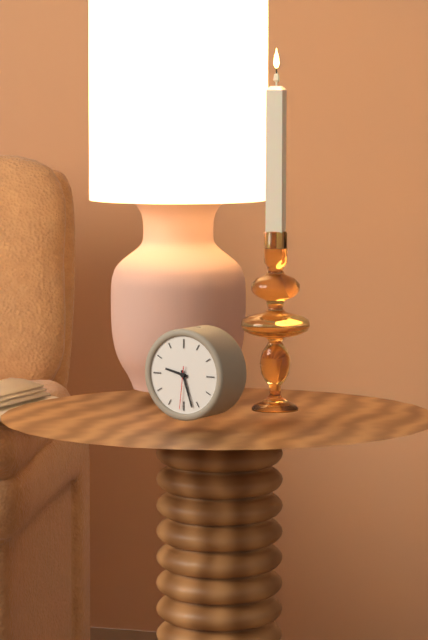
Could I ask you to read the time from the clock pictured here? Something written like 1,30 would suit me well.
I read 9,27
